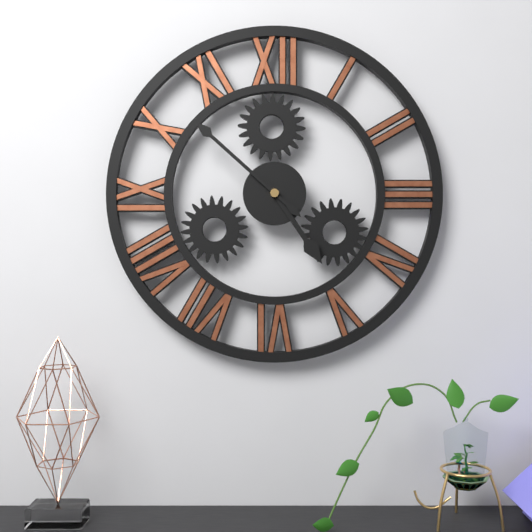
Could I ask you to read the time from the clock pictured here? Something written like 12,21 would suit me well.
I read 4,52
